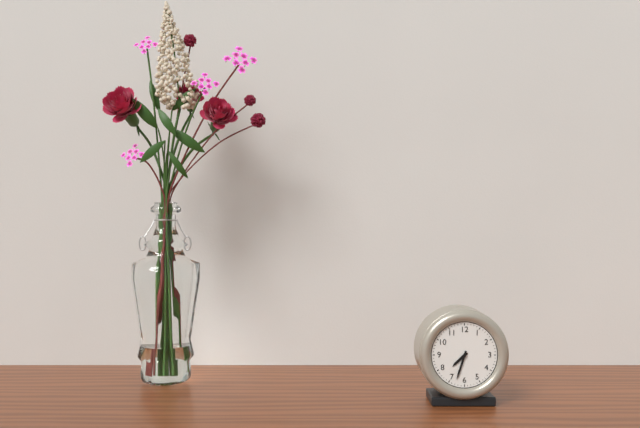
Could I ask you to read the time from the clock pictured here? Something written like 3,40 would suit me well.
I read 7,33
